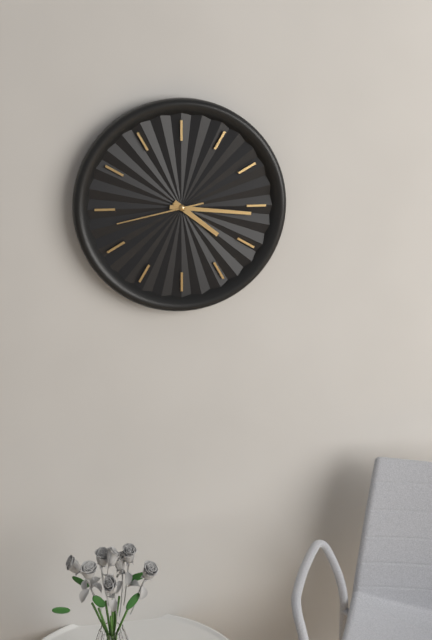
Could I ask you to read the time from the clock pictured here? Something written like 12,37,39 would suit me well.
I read 4,16,43
